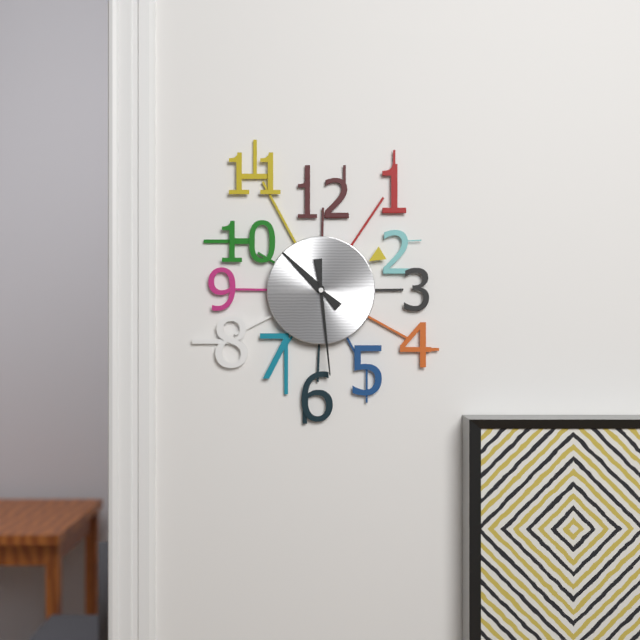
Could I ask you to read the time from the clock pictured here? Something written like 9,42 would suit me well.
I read 10,29
